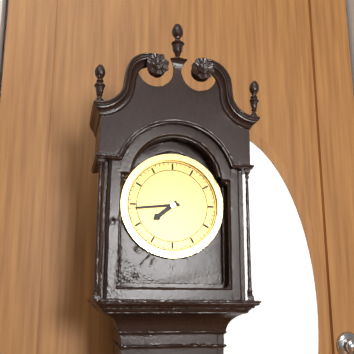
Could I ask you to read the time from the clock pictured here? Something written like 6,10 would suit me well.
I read 7,44
